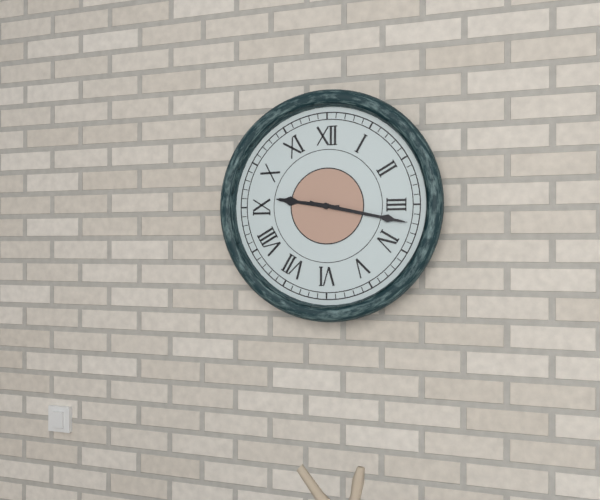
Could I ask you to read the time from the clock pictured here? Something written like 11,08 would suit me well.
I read 9,17
